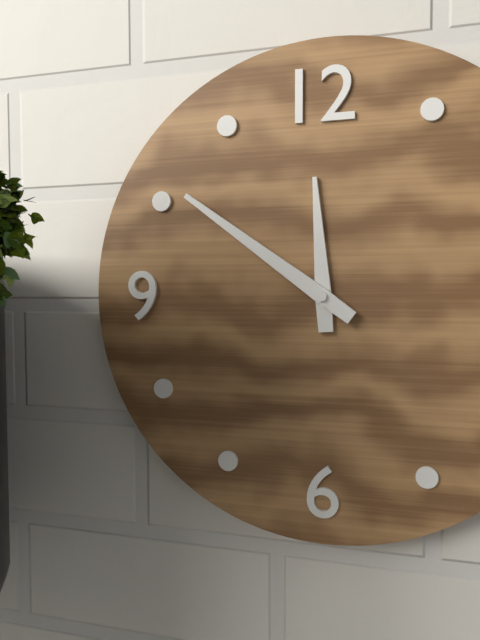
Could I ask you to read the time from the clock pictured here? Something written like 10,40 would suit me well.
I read 11,51
